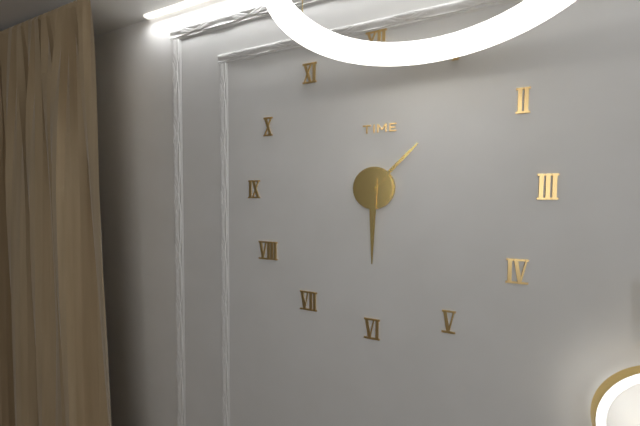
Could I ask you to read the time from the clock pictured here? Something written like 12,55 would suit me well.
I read 1,30
